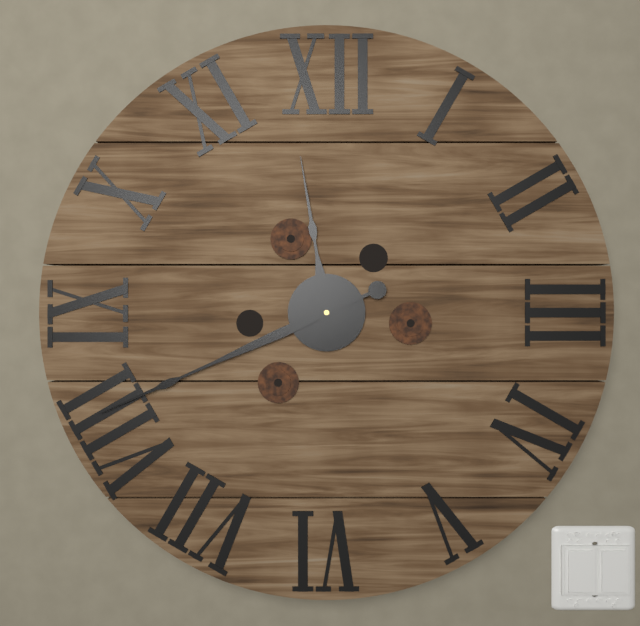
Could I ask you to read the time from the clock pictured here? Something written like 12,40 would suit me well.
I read 11,41
